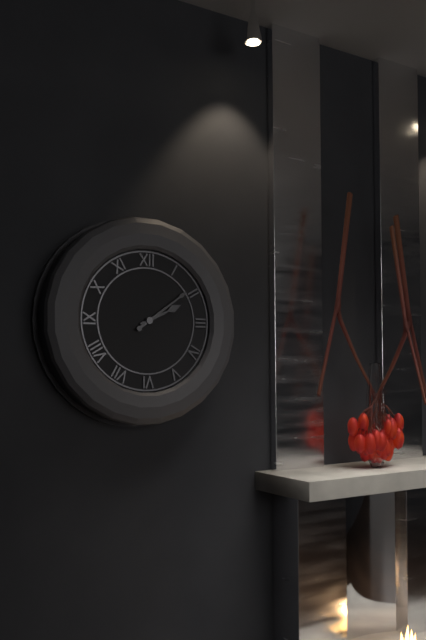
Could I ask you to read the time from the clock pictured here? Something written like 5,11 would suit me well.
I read 2,09
